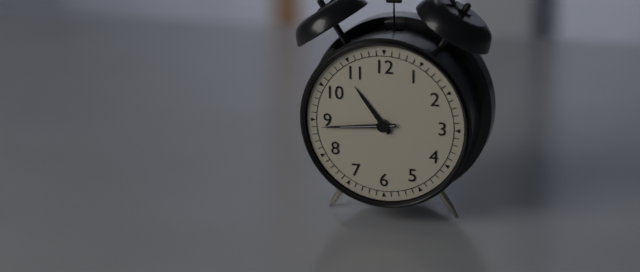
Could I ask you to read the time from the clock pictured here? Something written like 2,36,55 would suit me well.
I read 10,44,44
